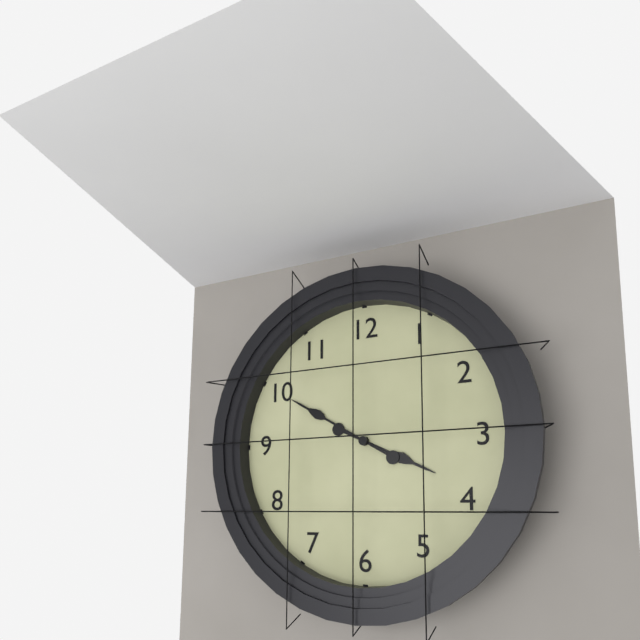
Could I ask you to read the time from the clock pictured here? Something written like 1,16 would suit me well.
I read 3,50
